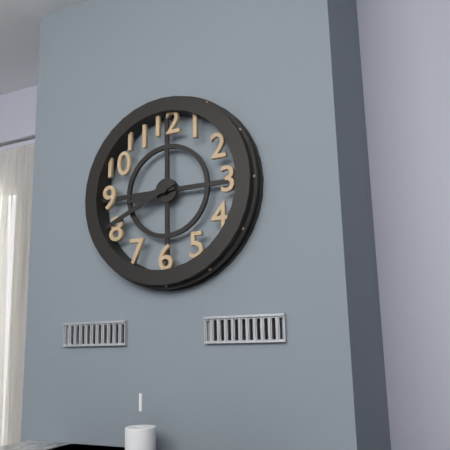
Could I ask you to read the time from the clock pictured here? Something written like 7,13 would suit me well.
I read 8,41
